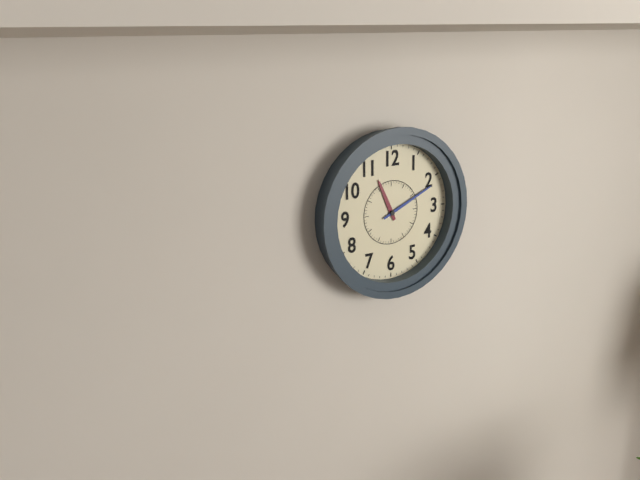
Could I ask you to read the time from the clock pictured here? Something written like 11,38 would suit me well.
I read 11,11
